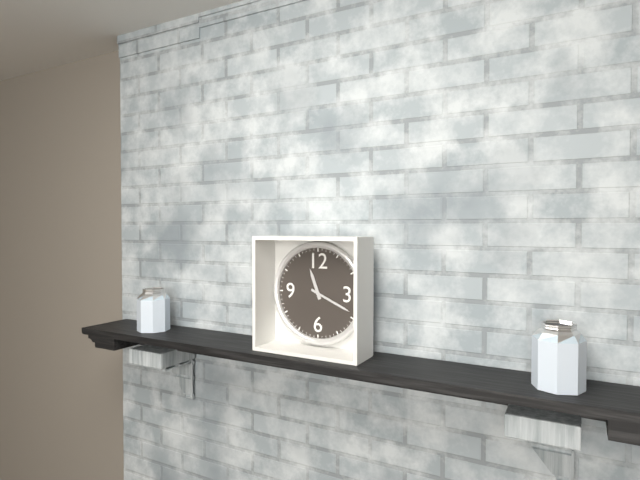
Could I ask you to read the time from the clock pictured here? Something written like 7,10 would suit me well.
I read 11,19
